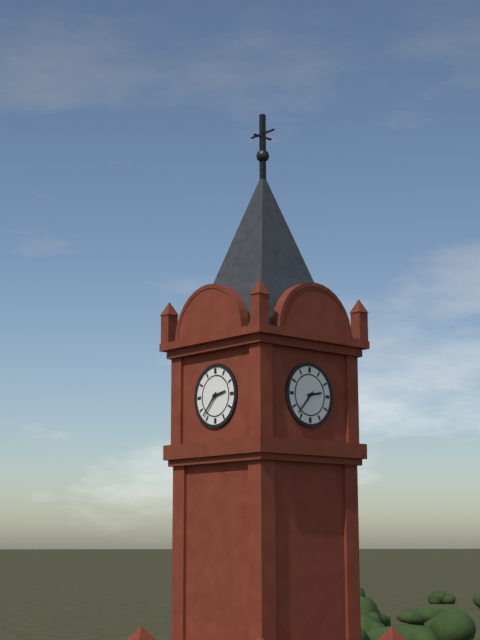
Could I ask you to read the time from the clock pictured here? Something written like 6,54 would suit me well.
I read 2,37
